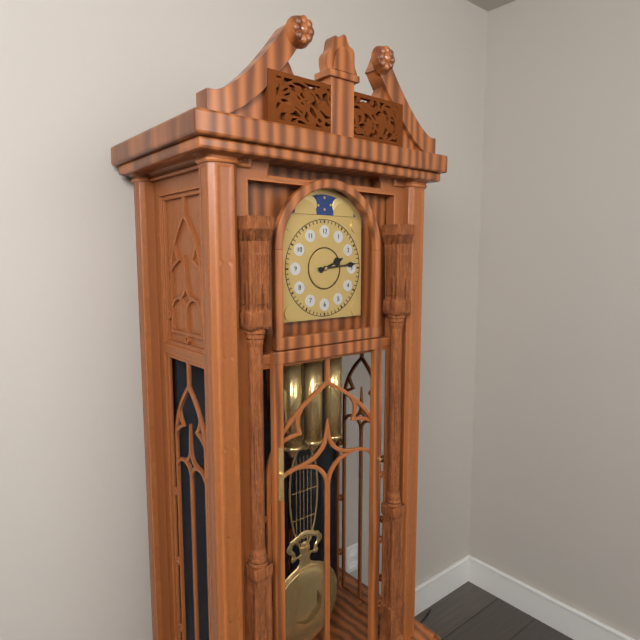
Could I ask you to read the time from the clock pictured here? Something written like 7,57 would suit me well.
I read 2,14
